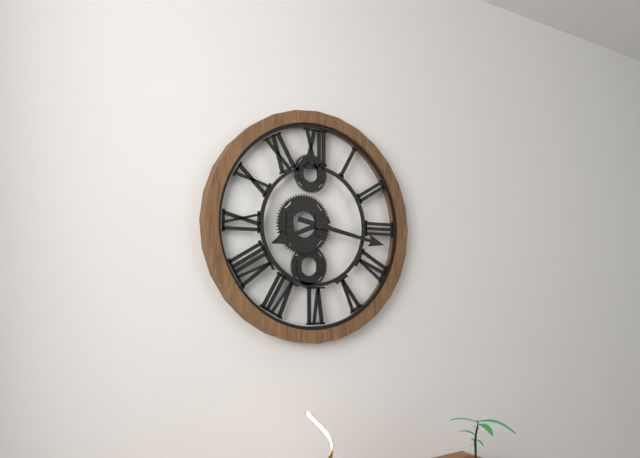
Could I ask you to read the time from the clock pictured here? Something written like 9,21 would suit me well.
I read 8,17
